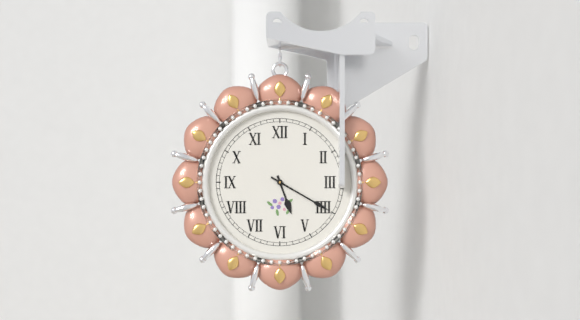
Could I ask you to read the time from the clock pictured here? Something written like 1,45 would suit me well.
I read 5,20
